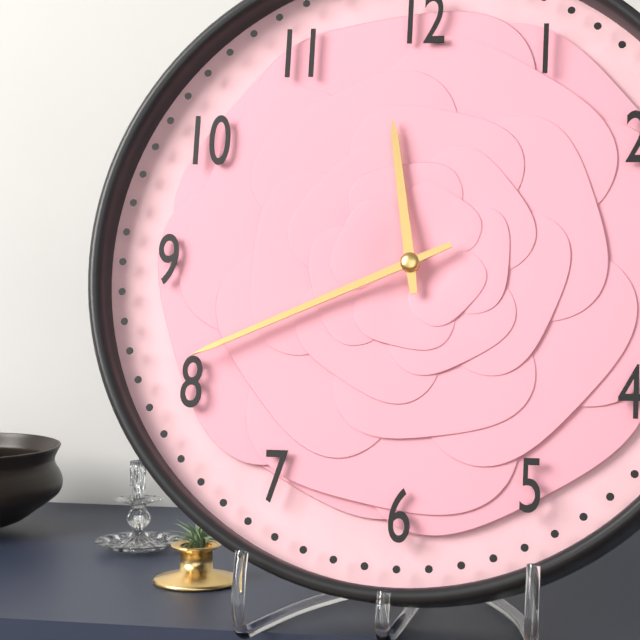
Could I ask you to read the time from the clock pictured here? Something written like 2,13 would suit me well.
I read 11,41
